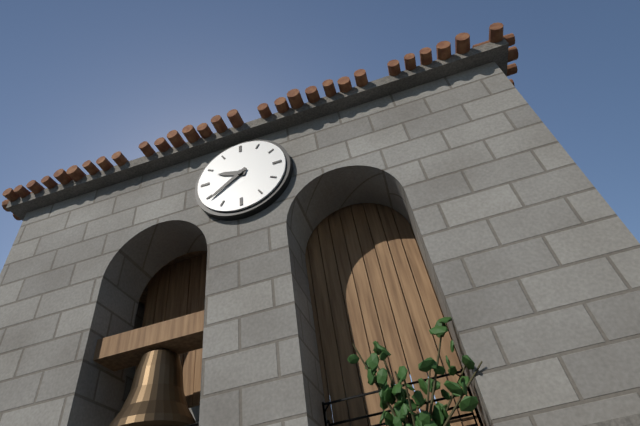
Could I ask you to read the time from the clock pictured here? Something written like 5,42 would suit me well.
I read 9,39
